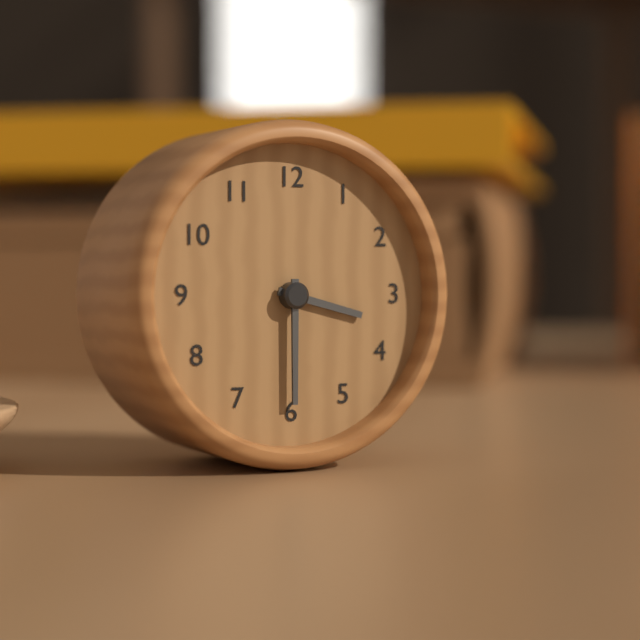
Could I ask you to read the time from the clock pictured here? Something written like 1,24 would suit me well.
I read 3,30
